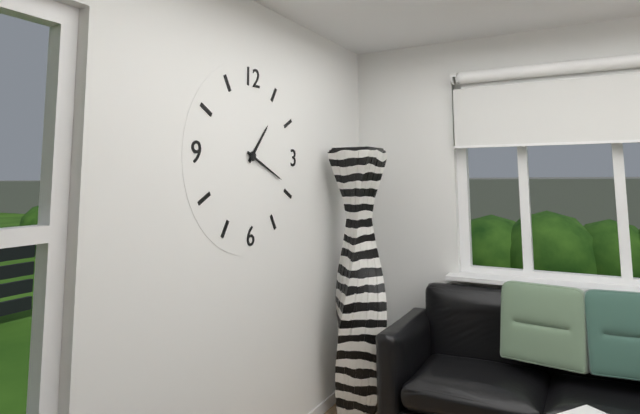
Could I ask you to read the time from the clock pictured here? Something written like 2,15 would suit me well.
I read 1,19
